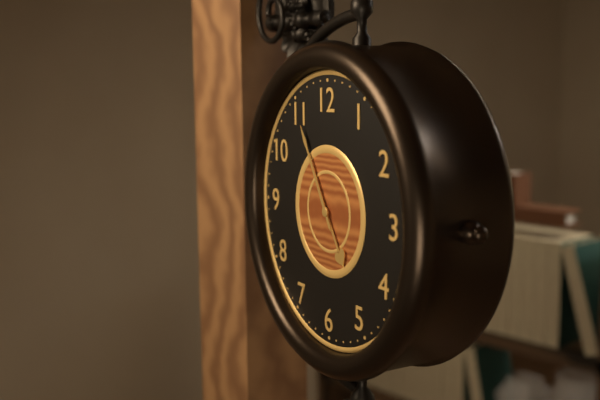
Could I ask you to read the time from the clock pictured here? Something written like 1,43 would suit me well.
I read 4,55
